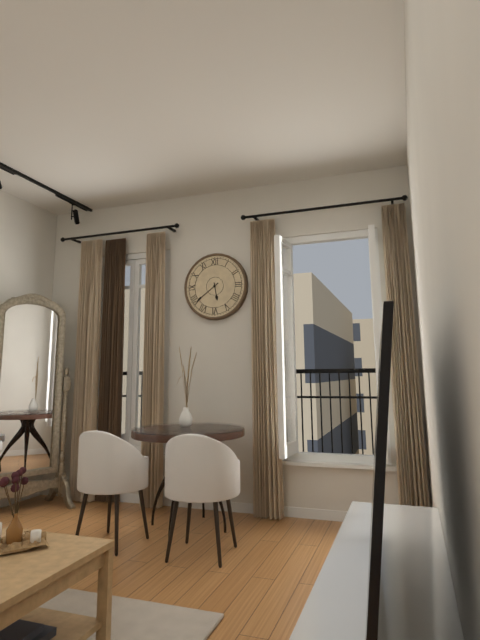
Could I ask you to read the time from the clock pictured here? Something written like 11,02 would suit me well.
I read 5,39
